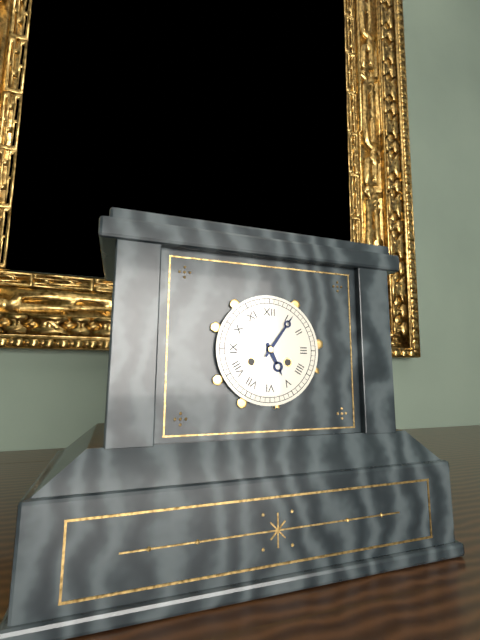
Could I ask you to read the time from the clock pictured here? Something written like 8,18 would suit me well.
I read 5,06
